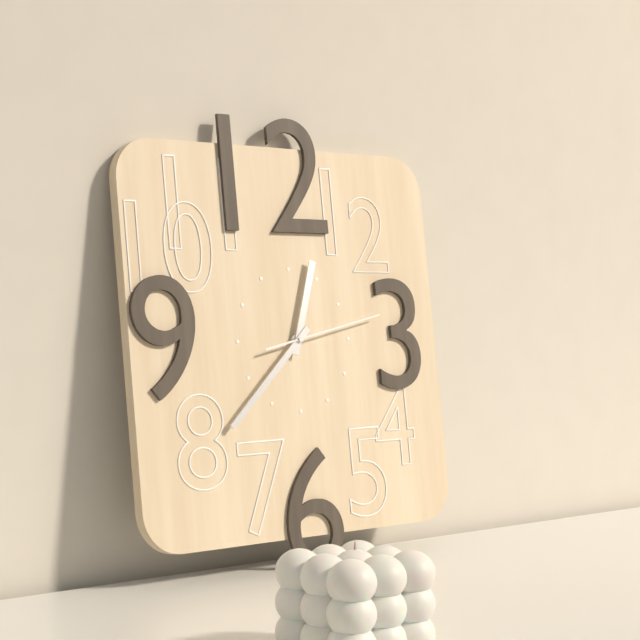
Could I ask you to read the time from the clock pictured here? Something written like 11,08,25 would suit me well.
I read 12,38,13
